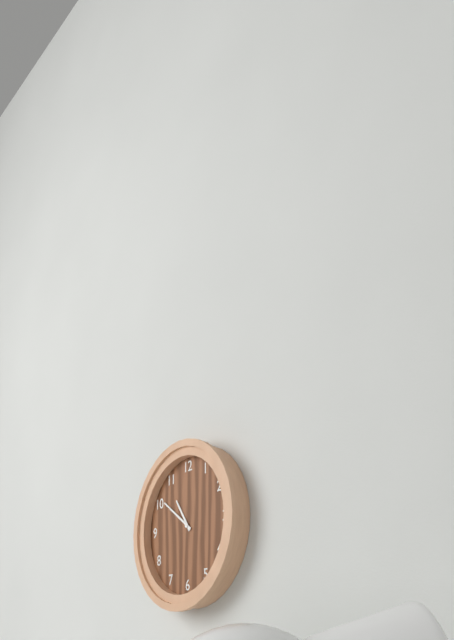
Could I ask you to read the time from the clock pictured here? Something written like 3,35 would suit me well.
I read 10,51
